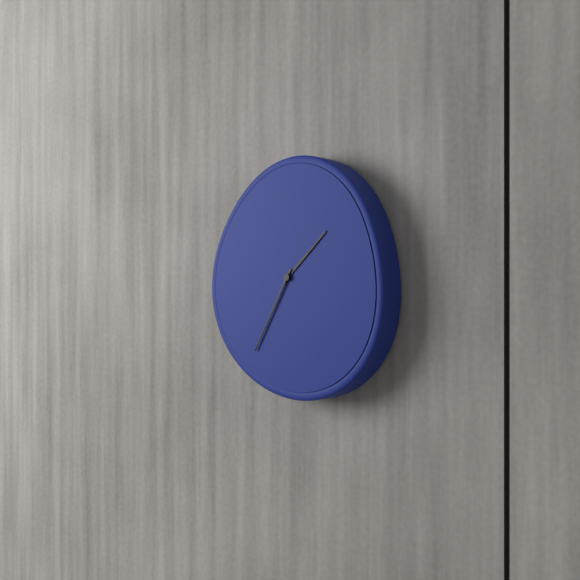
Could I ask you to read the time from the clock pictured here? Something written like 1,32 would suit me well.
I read 1,35
